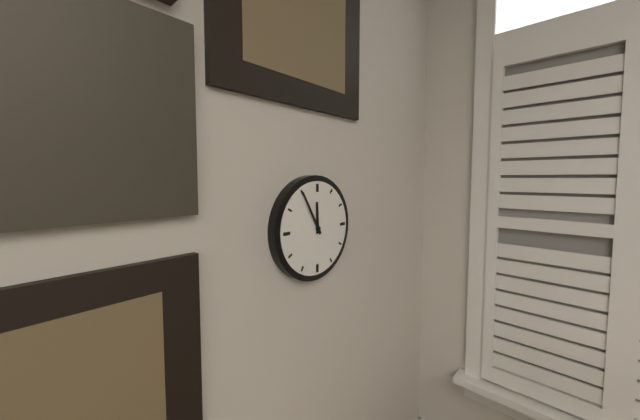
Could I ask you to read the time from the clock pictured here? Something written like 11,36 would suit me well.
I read 11,55
